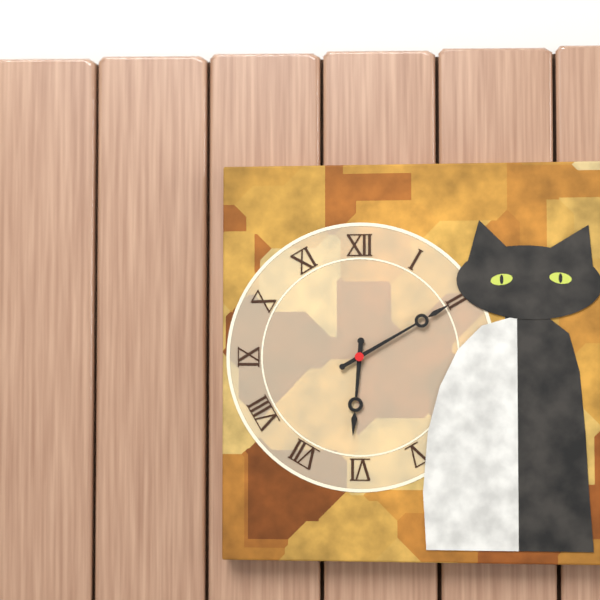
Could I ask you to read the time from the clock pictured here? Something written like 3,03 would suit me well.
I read 6,10
